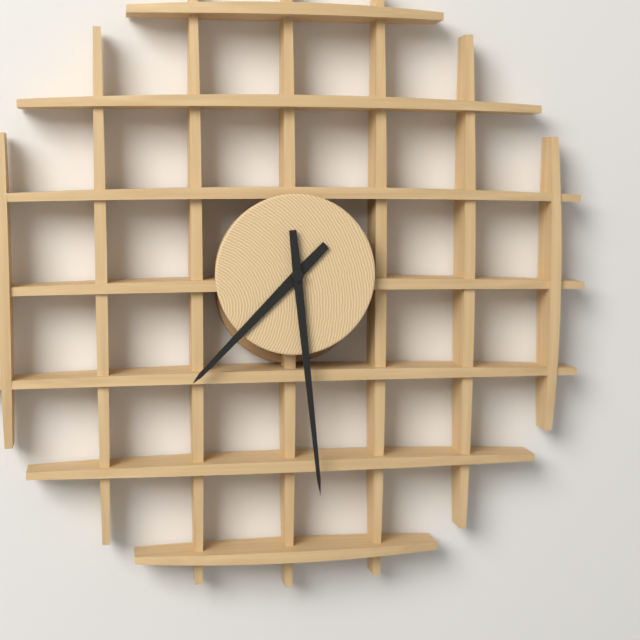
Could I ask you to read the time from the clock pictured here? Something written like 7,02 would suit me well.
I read 7,29
